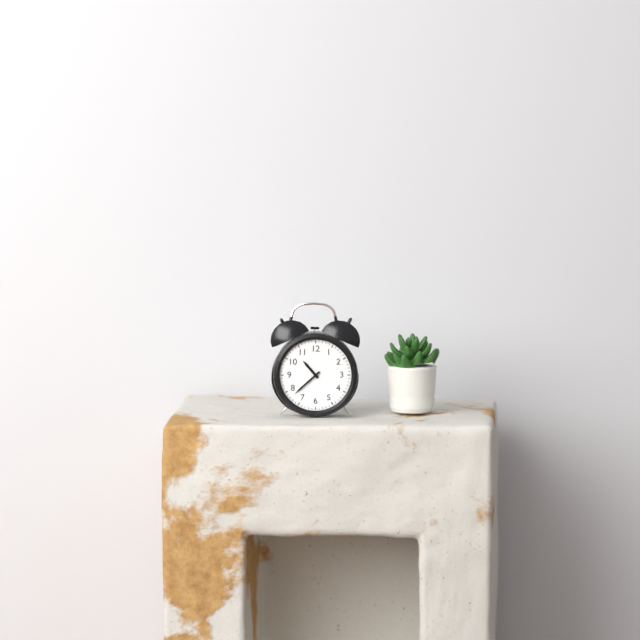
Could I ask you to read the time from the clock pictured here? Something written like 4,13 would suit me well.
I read 10,38
